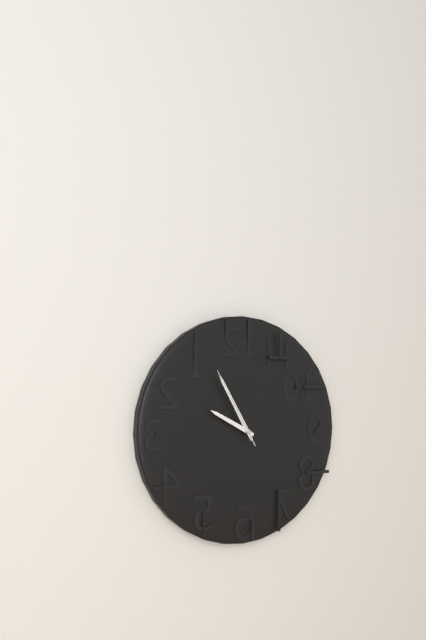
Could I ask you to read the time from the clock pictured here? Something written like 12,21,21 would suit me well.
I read 9,55,55
